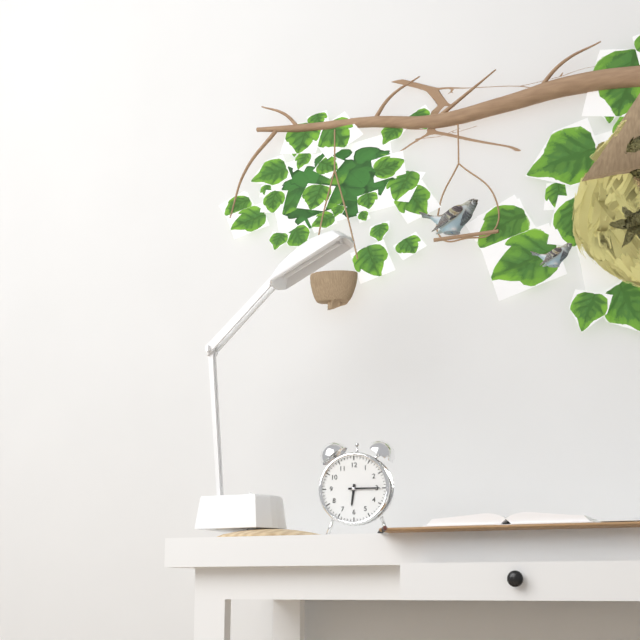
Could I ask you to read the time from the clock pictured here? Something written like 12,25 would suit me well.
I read 6,15
